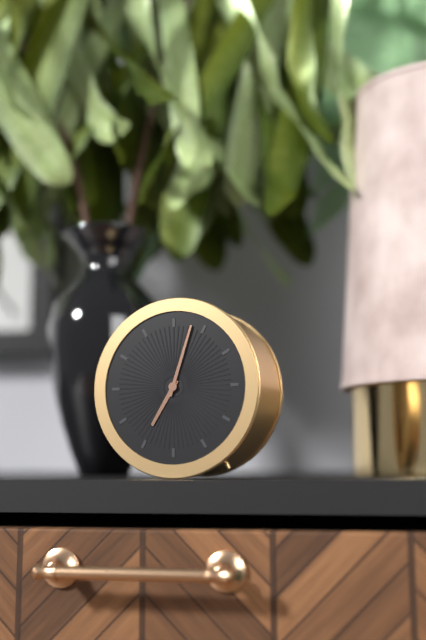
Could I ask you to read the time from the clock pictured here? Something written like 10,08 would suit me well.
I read 7,03
